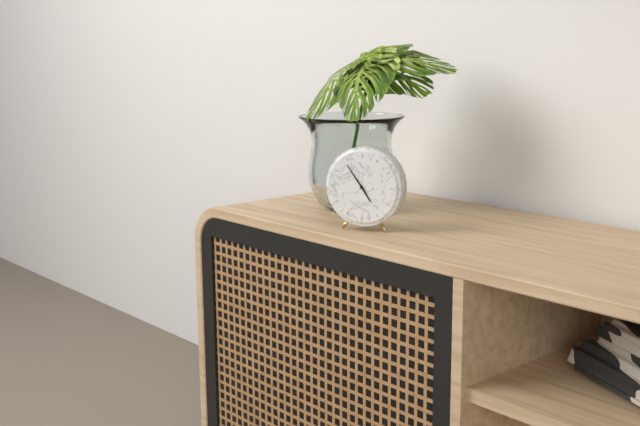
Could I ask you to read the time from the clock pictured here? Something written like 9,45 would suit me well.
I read 4,54
